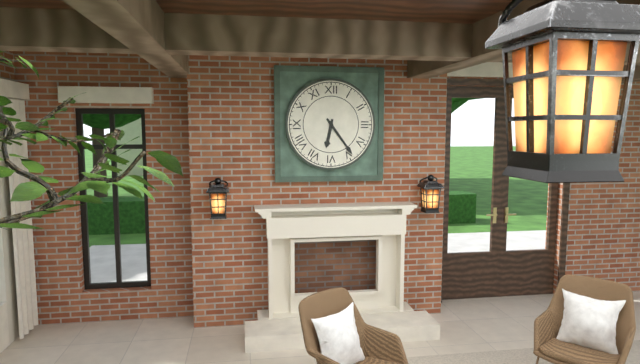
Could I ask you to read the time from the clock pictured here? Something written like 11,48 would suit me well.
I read 6,24
